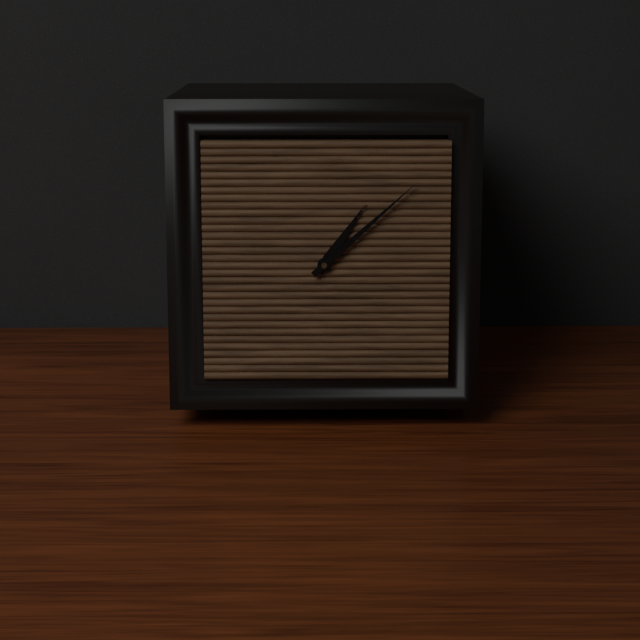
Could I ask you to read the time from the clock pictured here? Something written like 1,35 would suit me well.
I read 1,08
